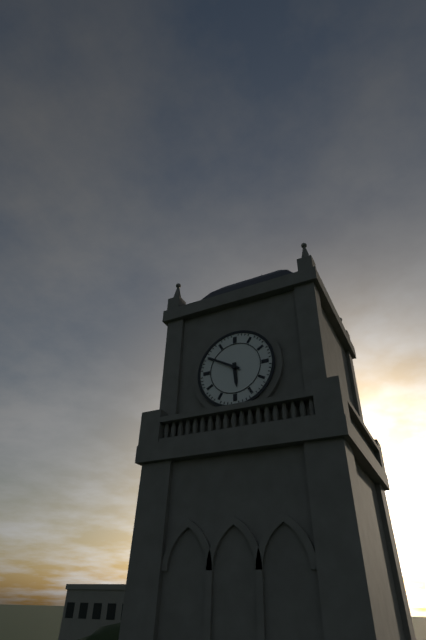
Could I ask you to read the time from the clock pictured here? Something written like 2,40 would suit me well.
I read 5,50
